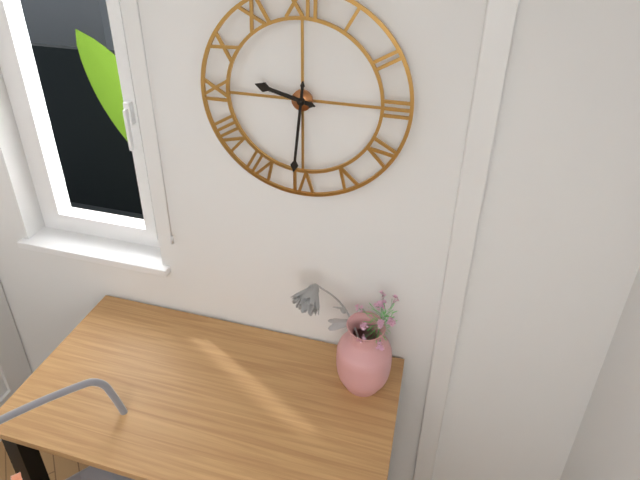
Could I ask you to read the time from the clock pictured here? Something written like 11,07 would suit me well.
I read 9,31
